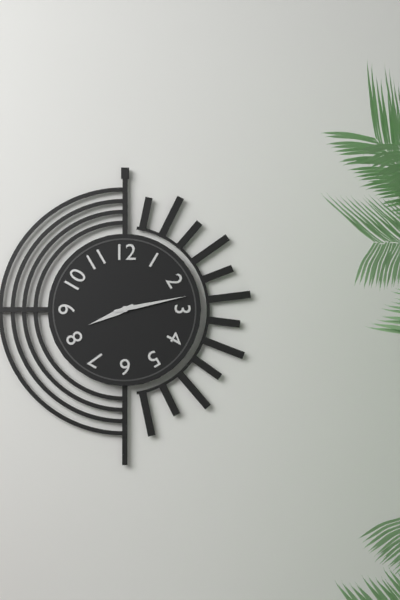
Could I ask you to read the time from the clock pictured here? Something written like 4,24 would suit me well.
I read 8,13
